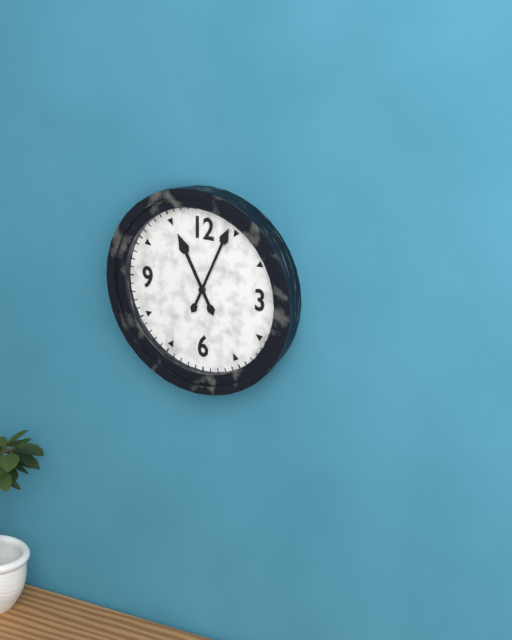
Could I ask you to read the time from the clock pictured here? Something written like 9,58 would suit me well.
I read 11,04
